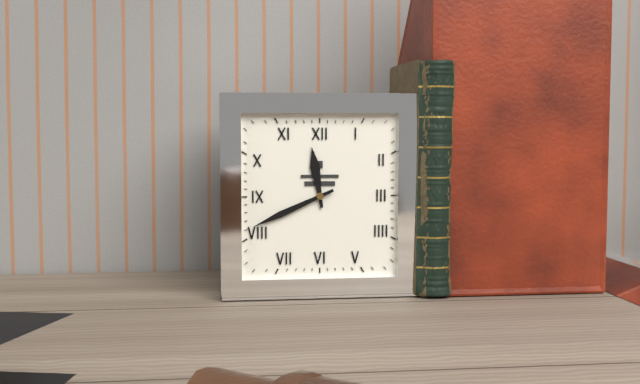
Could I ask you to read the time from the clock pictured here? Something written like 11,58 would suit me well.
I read 11,41
